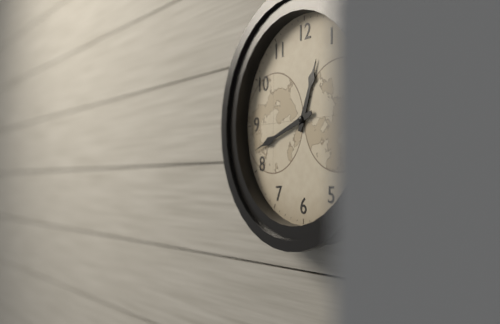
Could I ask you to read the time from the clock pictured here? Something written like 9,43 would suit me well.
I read 12,42
